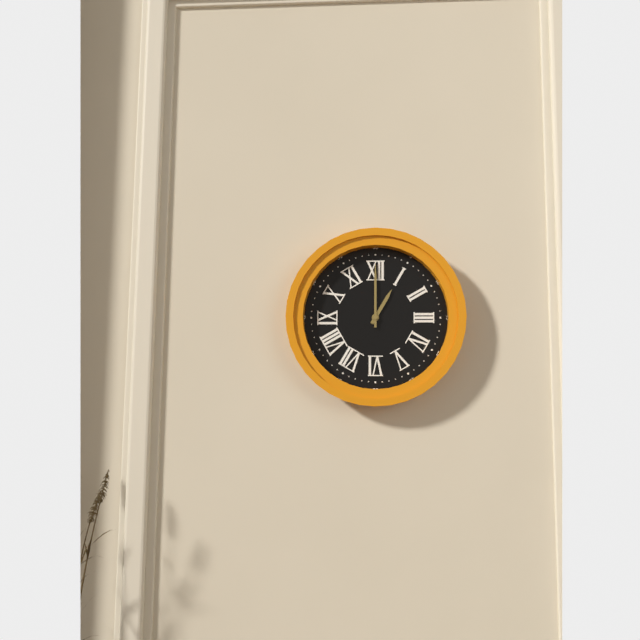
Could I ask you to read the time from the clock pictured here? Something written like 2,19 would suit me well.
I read 1,00
